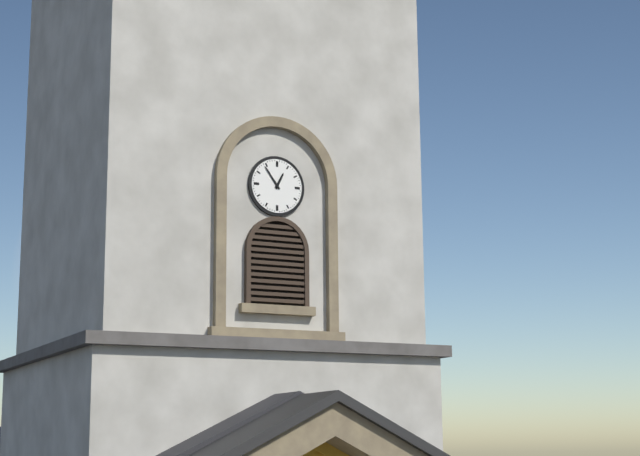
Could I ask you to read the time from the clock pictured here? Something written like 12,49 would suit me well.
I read 12,54
